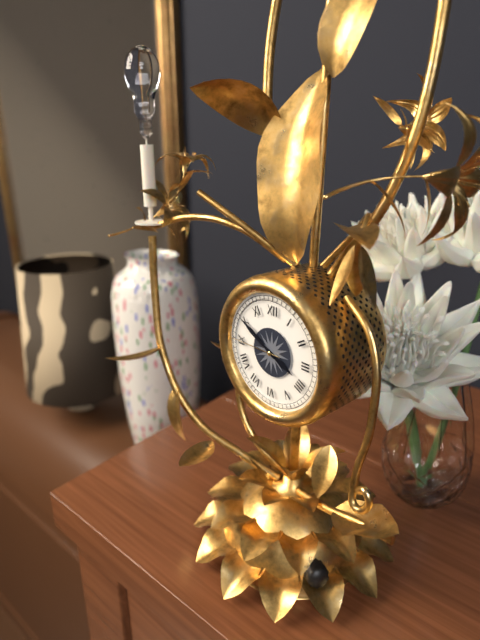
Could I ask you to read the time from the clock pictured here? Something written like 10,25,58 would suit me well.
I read 3,50,45
